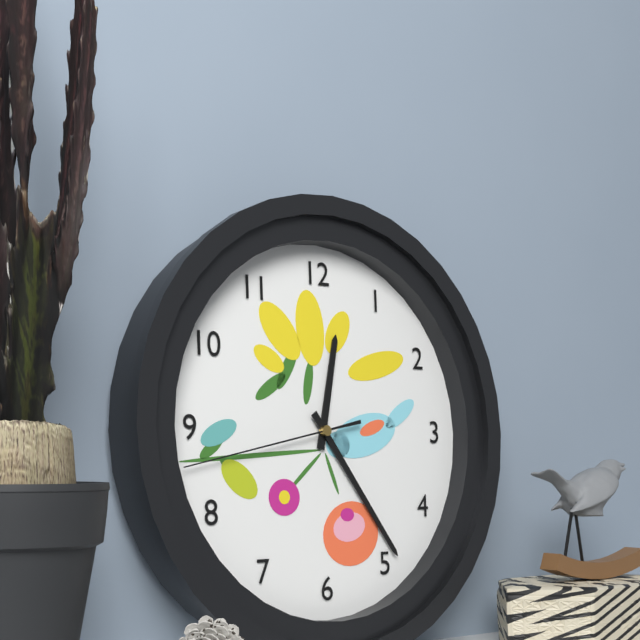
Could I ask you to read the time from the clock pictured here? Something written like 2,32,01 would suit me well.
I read 12,24,43
